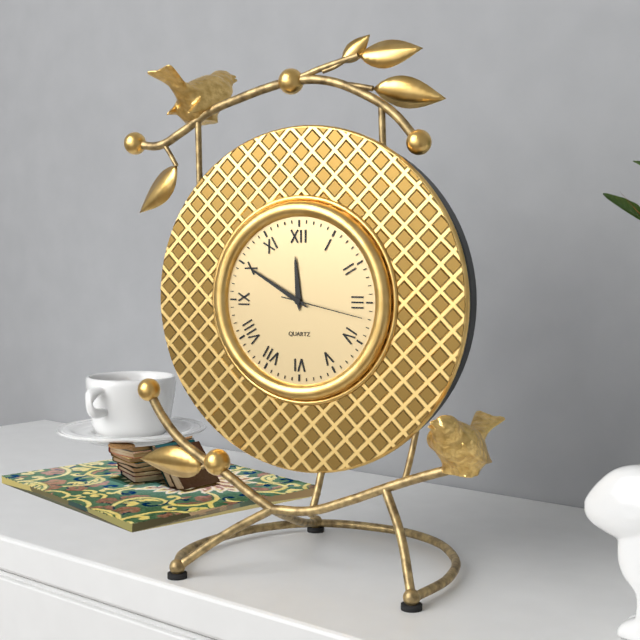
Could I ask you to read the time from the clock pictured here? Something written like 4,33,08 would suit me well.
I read 11,50,17
